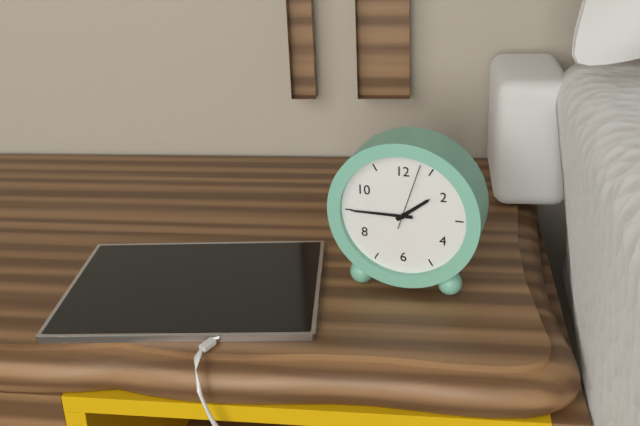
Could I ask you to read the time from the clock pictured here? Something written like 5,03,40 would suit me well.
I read 1,45,03
